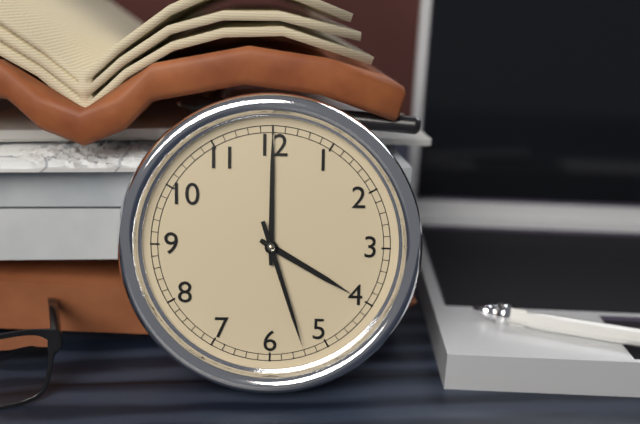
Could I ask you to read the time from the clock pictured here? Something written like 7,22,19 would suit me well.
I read 4,00,27
